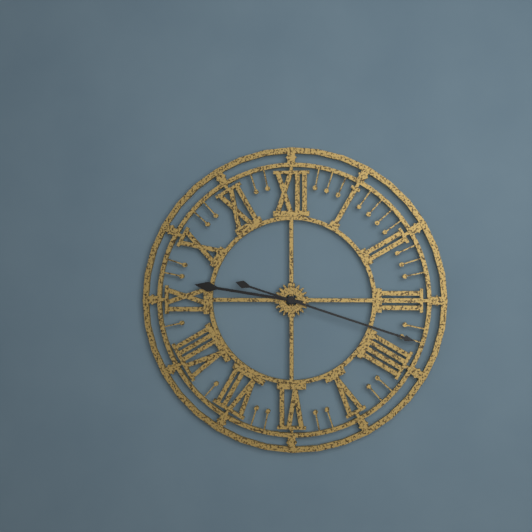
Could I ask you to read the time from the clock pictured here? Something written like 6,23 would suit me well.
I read 9,18
